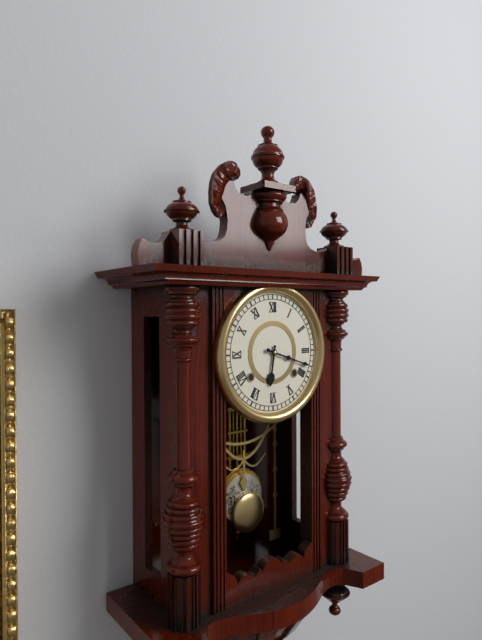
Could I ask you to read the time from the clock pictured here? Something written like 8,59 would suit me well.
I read 6,18
